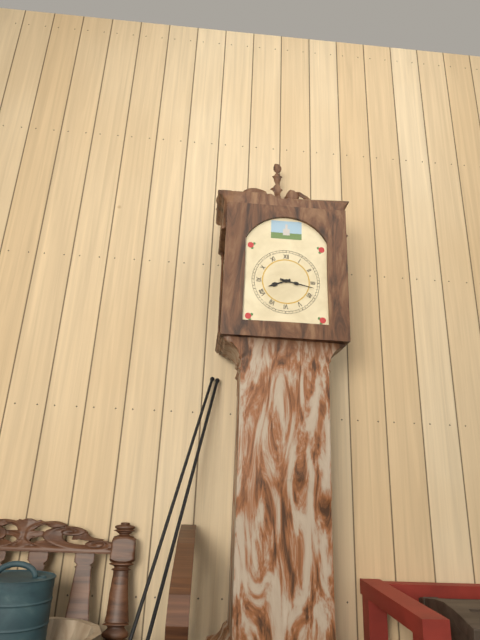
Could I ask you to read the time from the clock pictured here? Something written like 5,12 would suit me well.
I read 8,17
